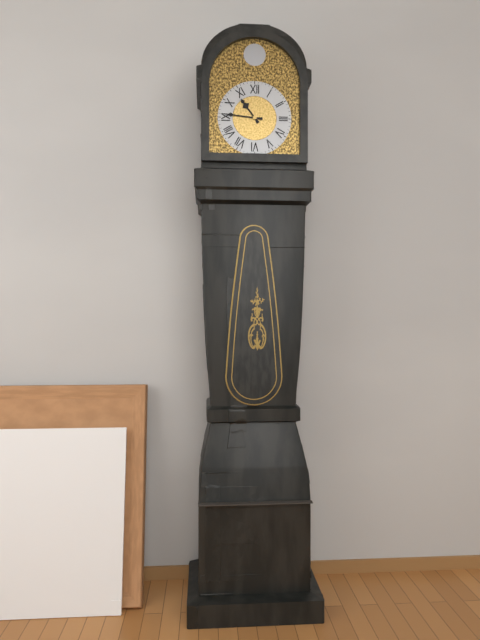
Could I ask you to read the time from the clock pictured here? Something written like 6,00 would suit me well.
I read 10,46
